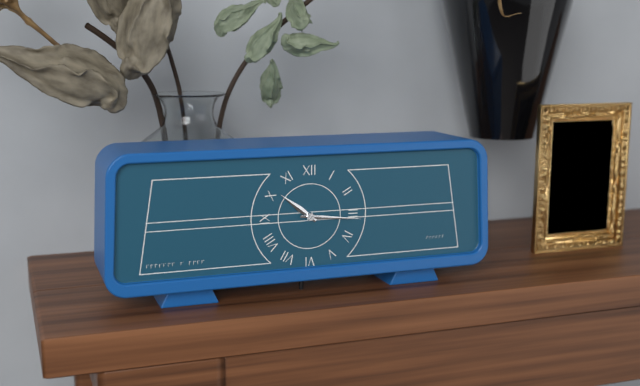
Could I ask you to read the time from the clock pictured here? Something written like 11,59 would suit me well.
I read 10,16
